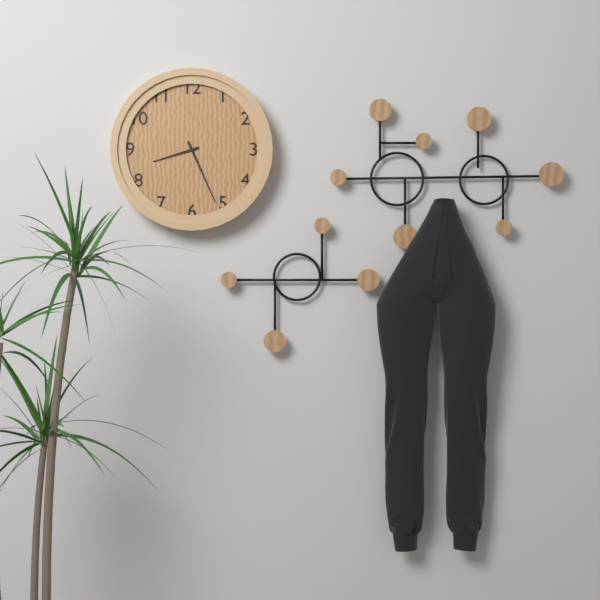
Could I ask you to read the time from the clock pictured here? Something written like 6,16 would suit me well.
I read 8,26
